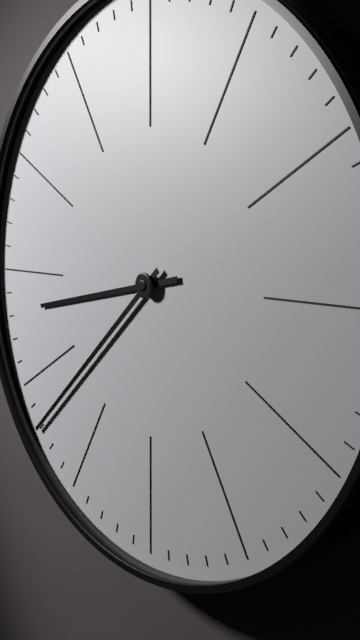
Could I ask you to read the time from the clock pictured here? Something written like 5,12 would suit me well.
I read 8,38
